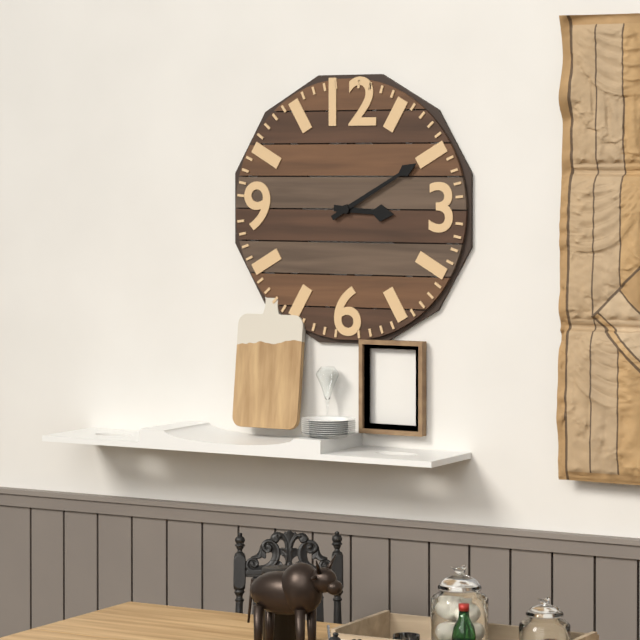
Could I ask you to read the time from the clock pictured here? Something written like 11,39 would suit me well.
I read 3,10
